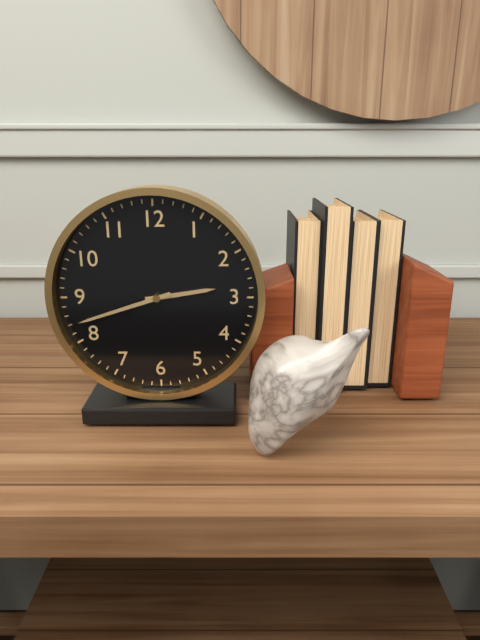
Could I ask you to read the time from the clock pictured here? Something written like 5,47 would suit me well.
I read 2,42
